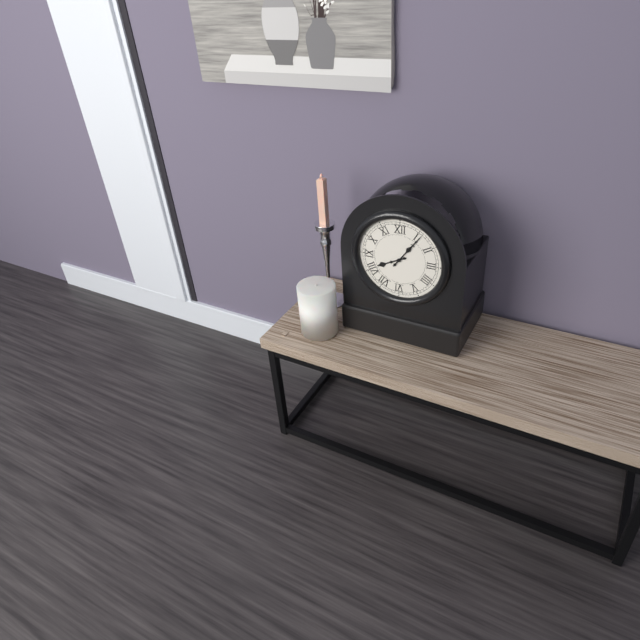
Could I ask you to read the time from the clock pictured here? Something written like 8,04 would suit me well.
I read 8,06
